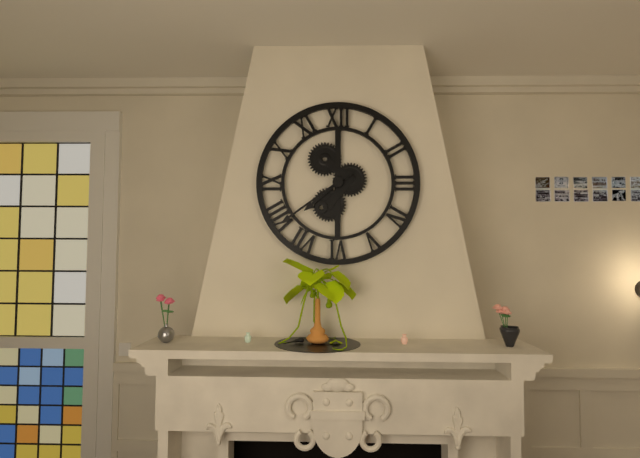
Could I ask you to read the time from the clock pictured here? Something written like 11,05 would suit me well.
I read 7,39
